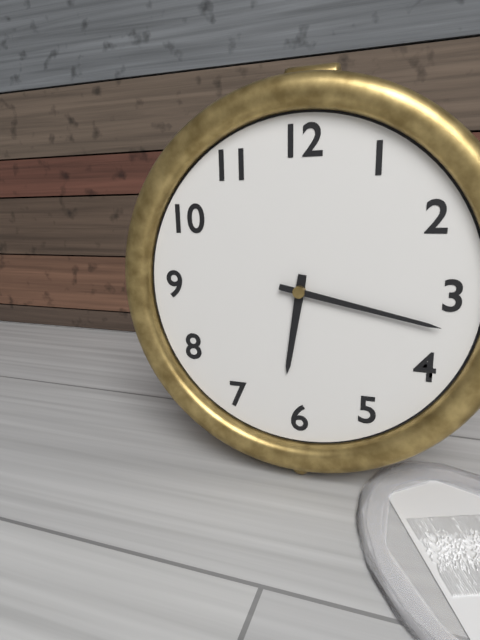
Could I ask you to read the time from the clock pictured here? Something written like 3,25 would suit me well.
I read 6,17
